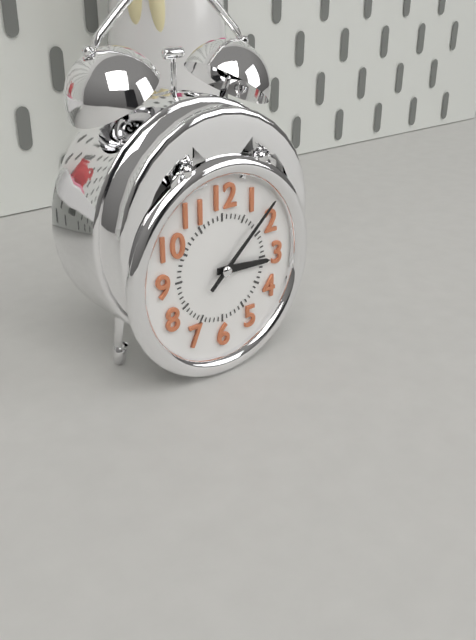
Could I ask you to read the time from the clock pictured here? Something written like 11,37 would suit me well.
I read 3,08
